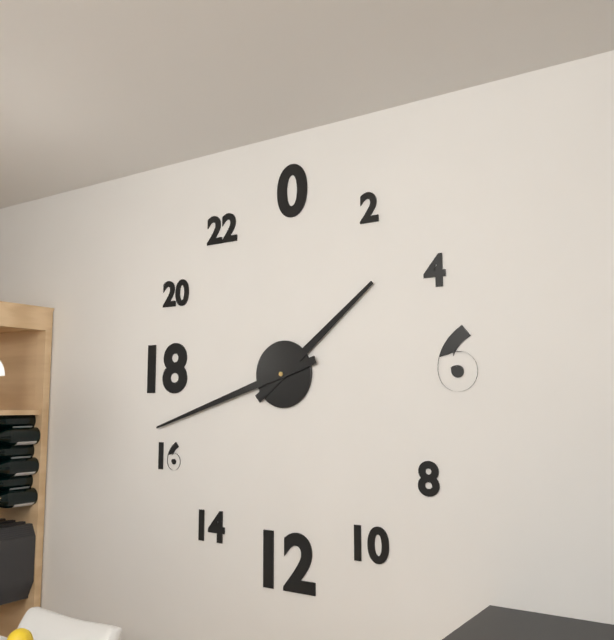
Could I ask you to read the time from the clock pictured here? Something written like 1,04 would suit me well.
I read 1,42
